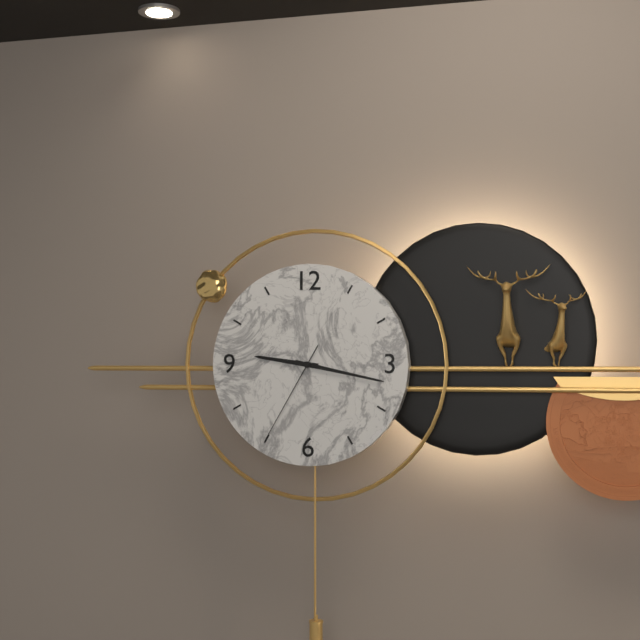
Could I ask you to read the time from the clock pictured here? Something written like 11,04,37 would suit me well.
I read 9,17,35
